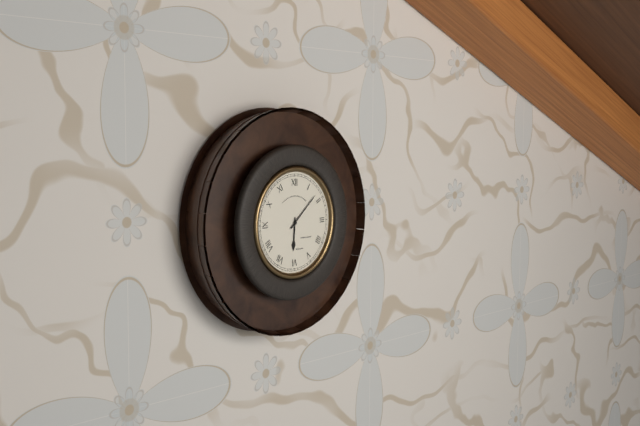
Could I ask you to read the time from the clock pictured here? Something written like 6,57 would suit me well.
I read 6,08
